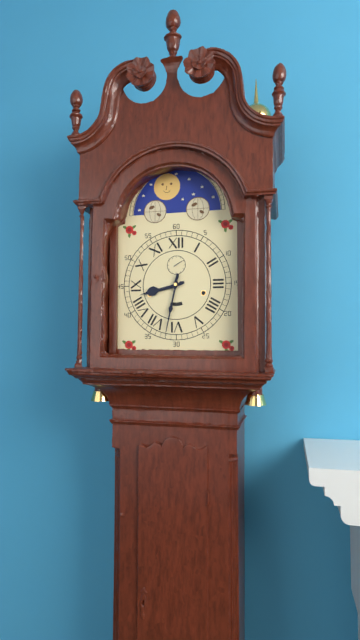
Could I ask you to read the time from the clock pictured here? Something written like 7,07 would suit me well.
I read 8,32
